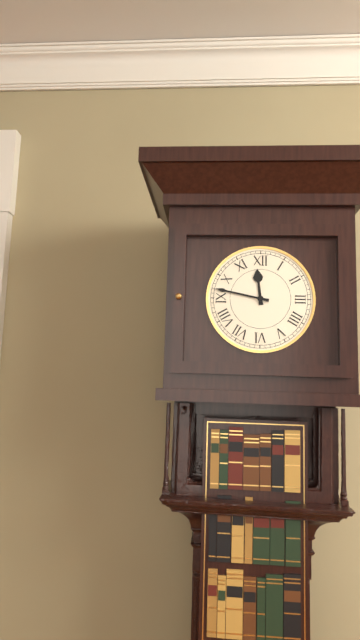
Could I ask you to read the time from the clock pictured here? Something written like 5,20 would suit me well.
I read 11,47
